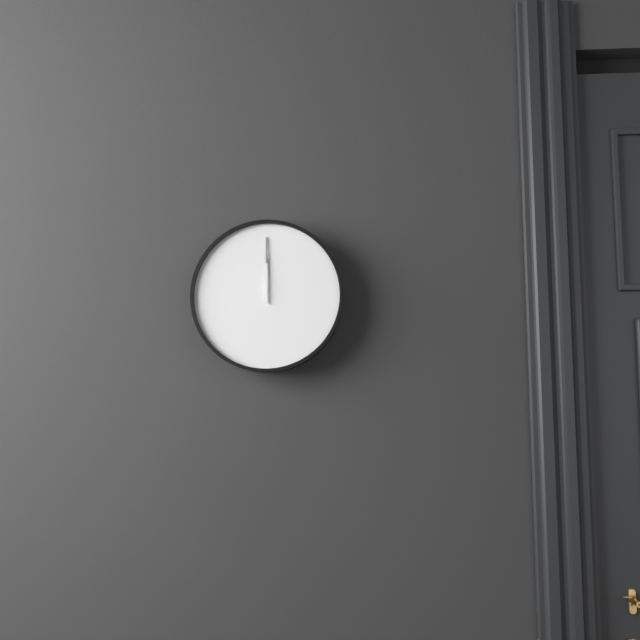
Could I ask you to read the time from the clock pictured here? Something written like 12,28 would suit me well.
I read 12,00
